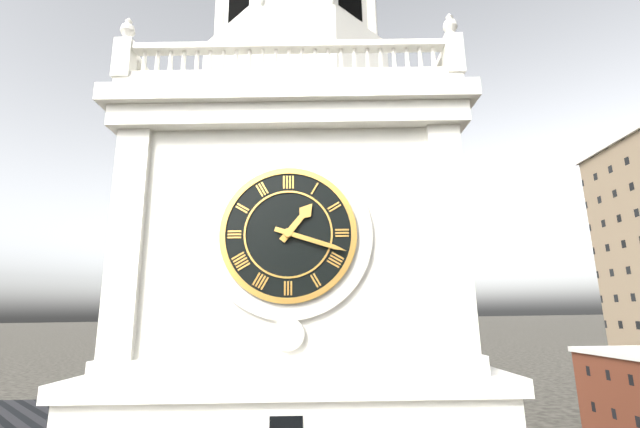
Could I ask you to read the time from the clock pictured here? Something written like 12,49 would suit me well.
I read 1,18
